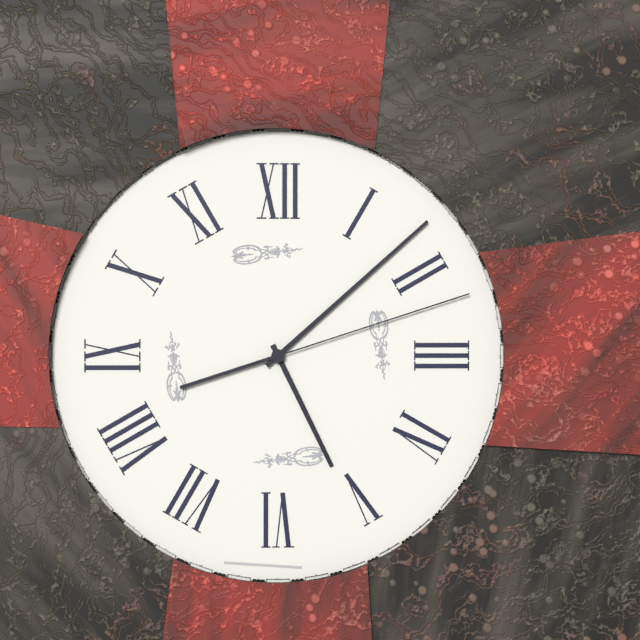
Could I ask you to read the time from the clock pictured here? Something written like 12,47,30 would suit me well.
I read 5,08,12
